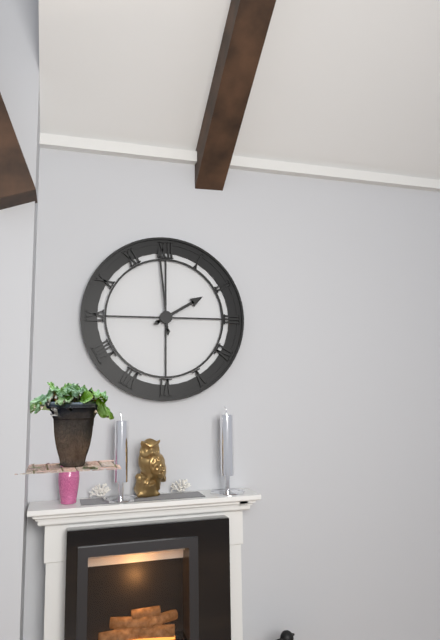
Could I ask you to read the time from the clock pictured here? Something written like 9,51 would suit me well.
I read 1,59
